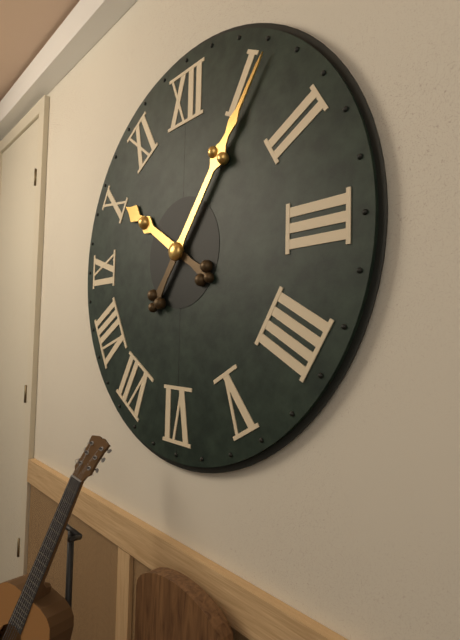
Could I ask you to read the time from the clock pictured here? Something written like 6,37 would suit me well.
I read 10,06
